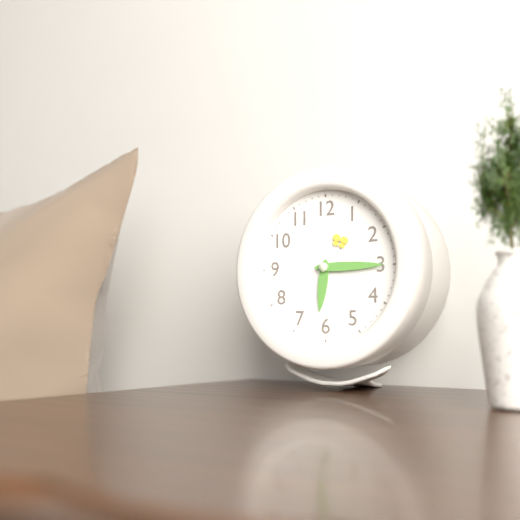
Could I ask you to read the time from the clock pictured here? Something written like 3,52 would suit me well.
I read 6,15
